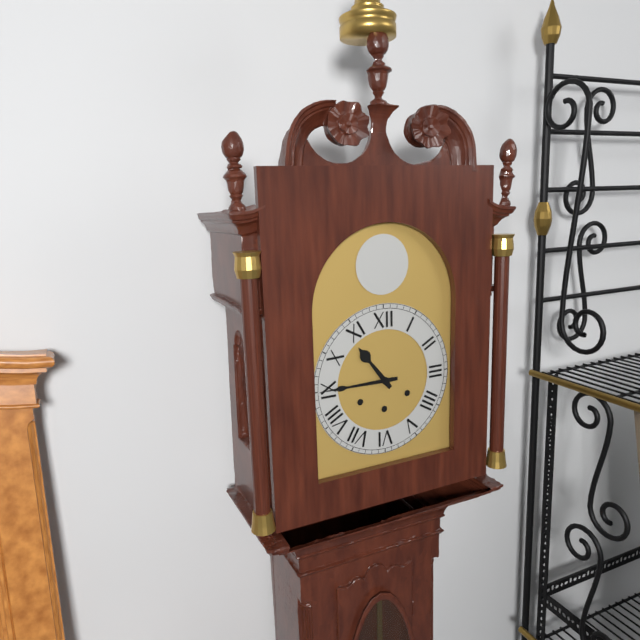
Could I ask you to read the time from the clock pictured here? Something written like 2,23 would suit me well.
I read 10,45
